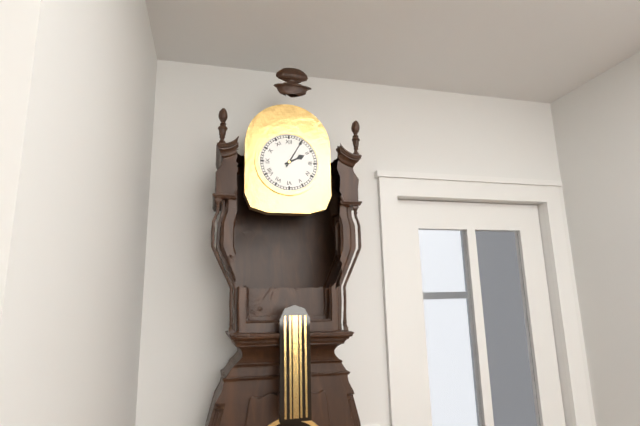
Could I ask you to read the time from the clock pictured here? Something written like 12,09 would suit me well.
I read 2,05
